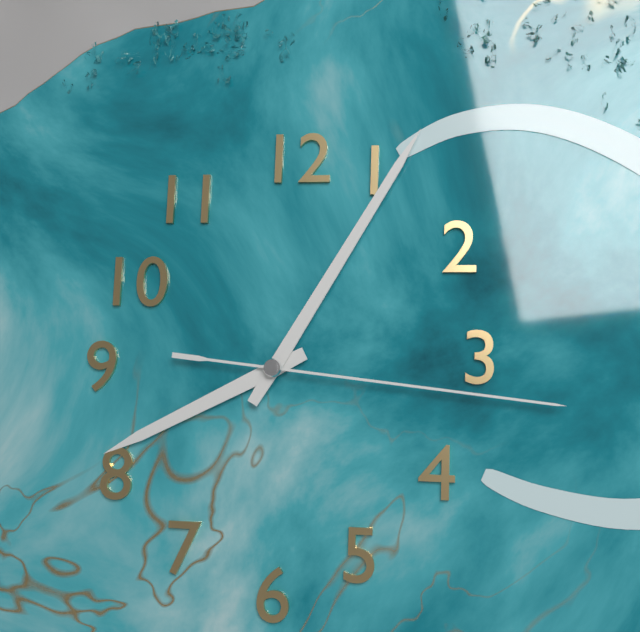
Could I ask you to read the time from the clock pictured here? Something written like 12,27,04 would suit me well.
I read 8,05,16
